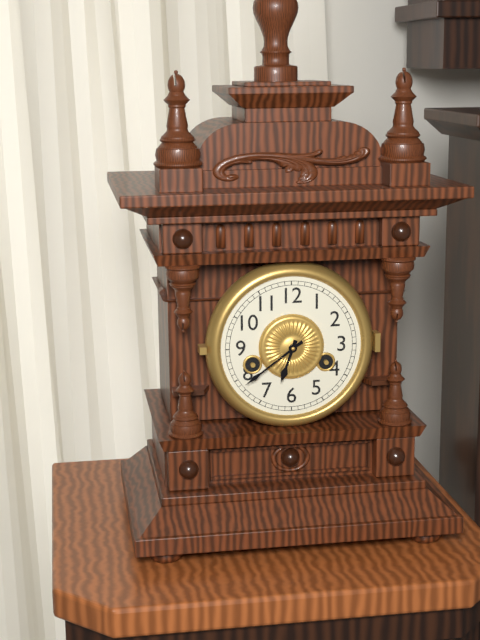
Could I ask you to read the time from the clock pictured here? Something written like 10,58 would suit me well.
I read 6,39
